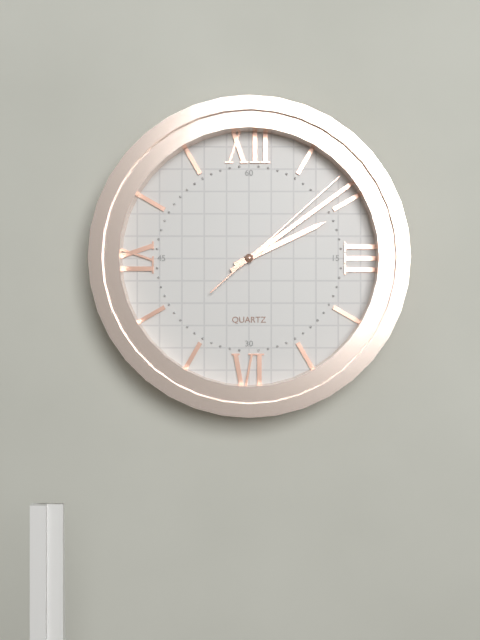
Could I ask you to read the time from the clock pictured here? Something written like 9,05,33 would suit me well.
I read 2,09,08
